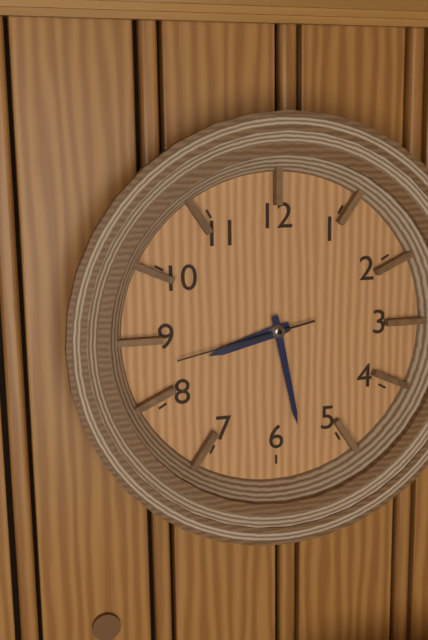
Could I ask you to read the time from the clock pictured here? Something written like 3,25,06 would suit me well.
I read 8,28,43
